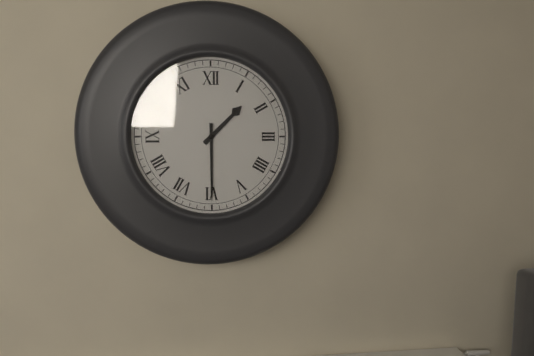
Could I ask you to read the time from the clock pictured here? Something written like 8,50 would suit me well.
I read 1,30
